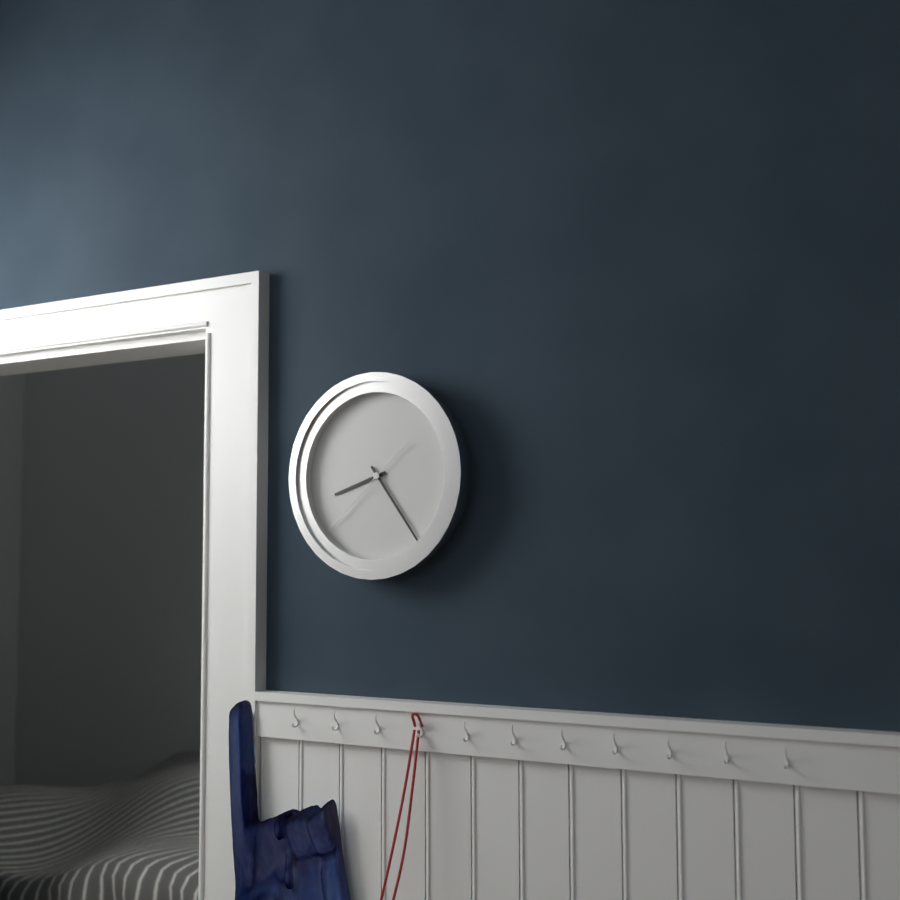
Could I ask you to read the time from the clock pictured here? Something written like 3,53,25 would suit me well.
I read 8,24,38
